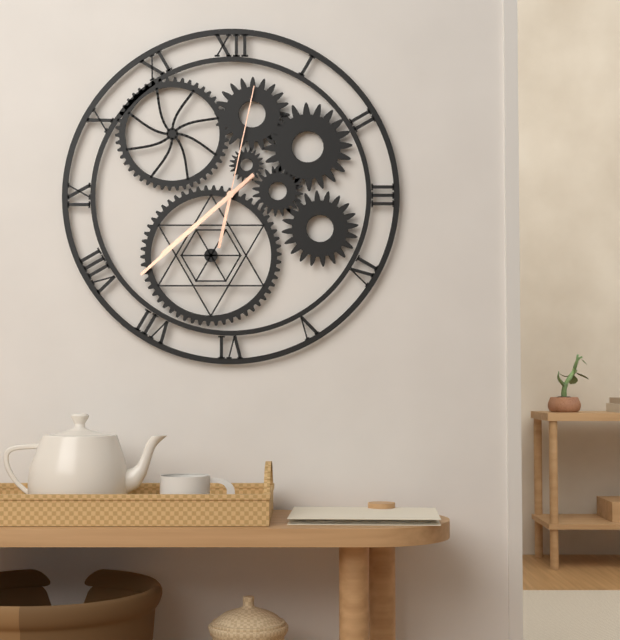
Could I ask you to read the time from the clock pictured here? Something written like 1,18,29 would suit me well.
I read 7,38,02
